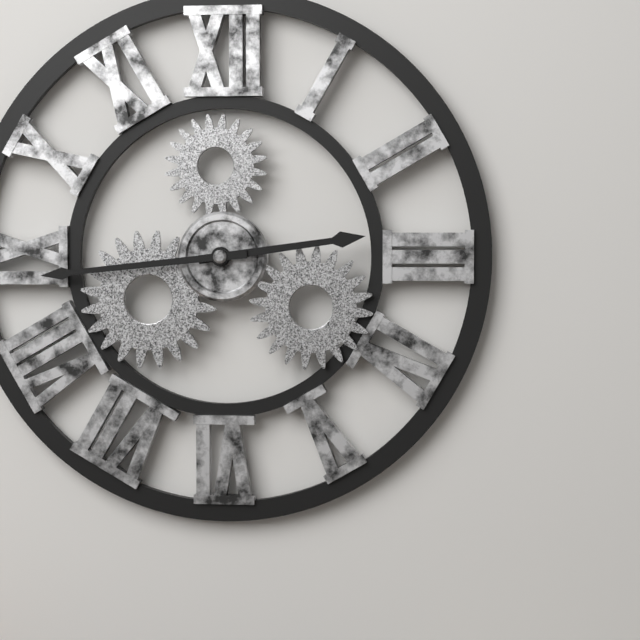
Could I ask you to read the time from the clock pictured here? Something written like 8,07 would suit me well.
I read 2,44
